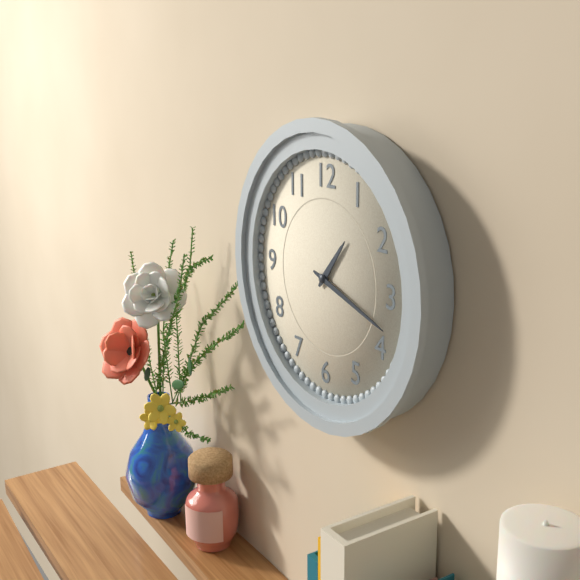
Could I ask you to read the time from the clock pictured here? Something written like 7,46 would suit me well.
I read 1,18
